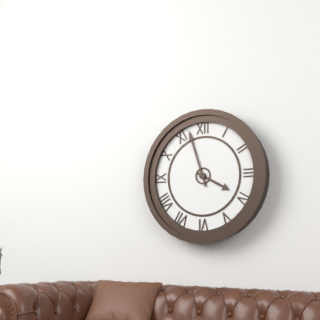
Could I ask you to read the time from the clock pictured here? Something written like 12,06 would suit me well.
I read 3,57
